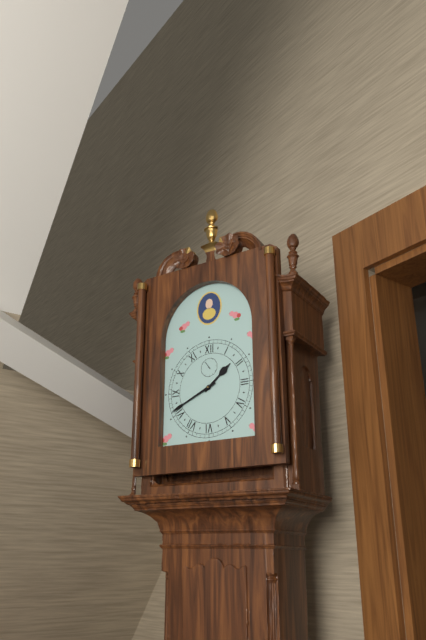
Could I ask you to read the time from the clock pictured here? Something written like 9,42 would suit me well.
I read 1,41
